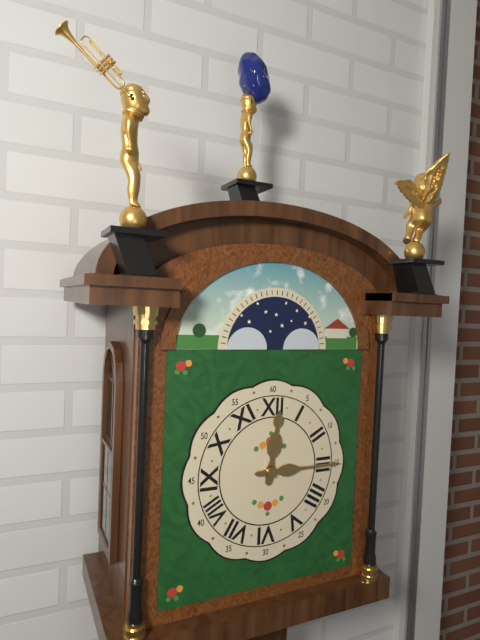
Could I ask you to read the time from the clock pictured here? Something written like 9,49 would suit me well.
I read 12,15
